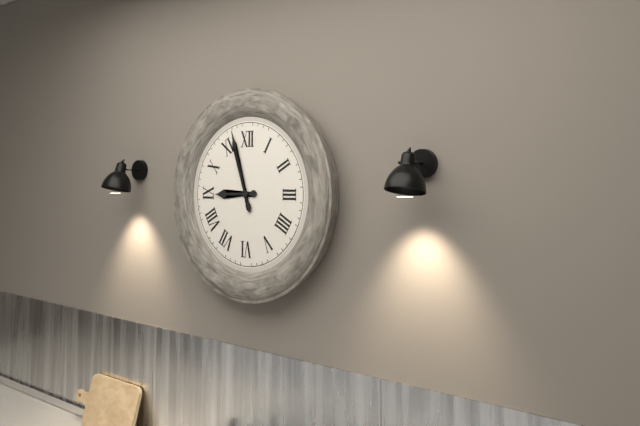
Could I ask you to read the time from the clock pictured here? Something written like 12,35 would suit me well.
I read 8,57
